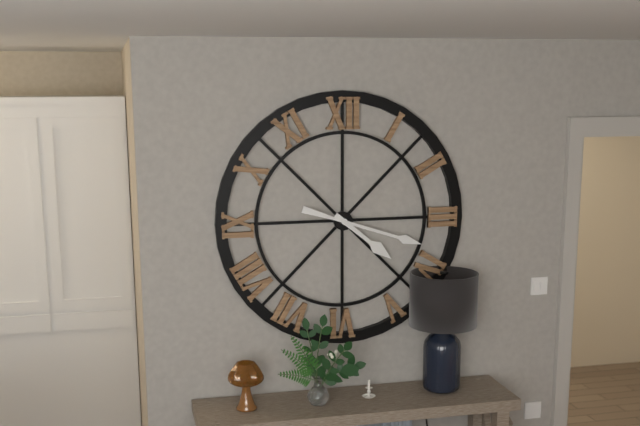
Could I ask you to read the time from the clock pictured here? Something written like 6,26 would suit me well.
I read 4,18
